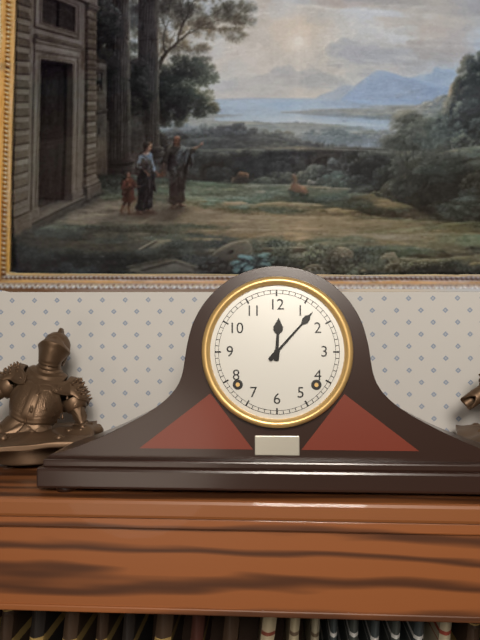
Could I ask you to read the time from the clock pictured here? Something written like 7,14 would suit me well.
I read 12,07
